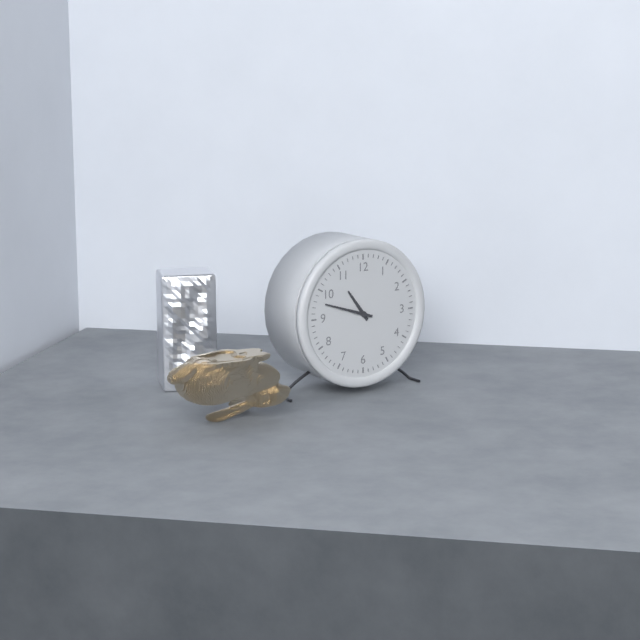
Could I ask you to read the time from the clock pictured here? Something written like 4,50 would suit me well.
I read 10,48
